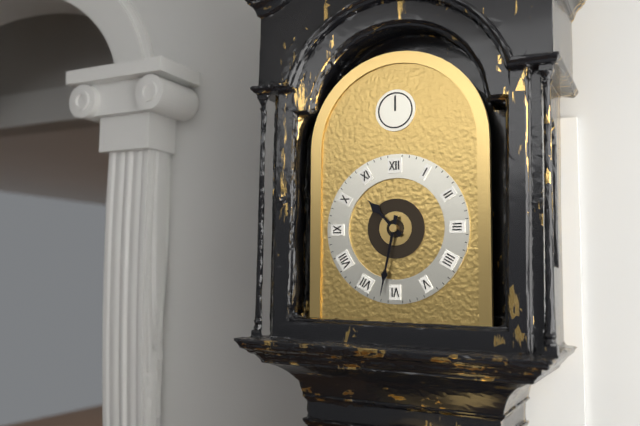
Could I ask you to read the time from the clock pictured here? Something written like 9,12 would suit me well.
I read 10,32
